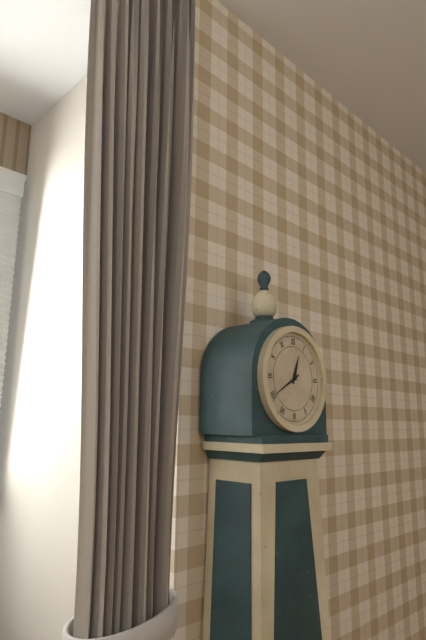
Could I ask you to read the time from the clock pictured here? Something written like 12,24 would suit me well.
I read 12,40
